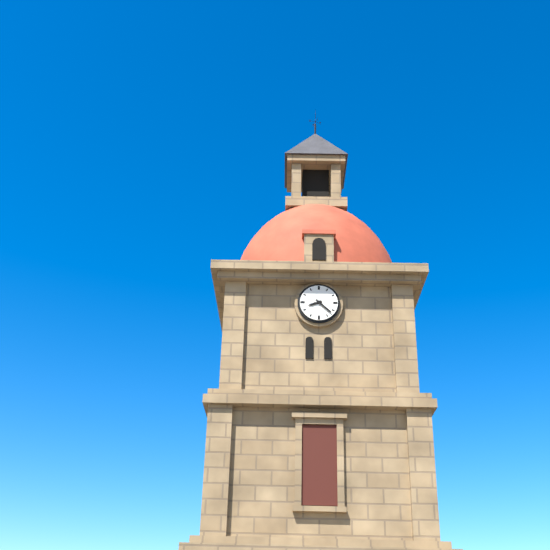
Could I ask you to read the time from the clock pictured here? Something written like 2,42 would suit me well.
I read 8,22
